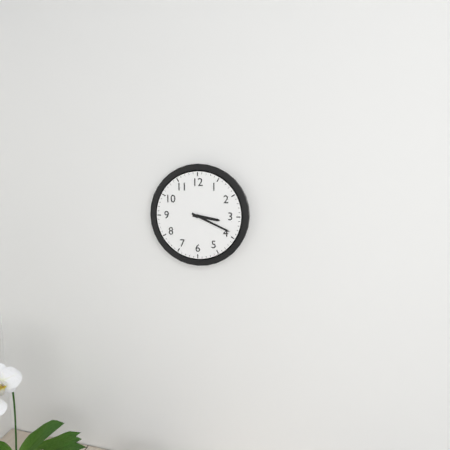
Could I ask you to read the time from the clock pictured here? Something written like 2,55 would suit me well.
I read 3,19
